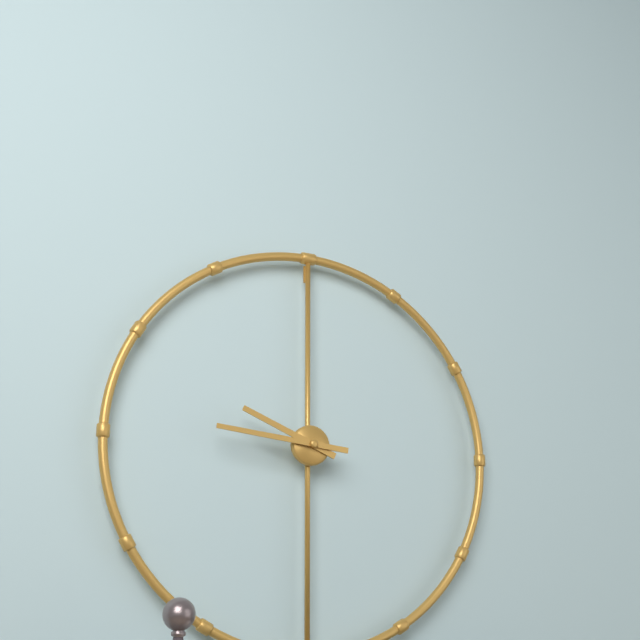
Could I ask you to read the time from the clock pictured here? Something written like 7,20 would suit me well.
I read 9,46
